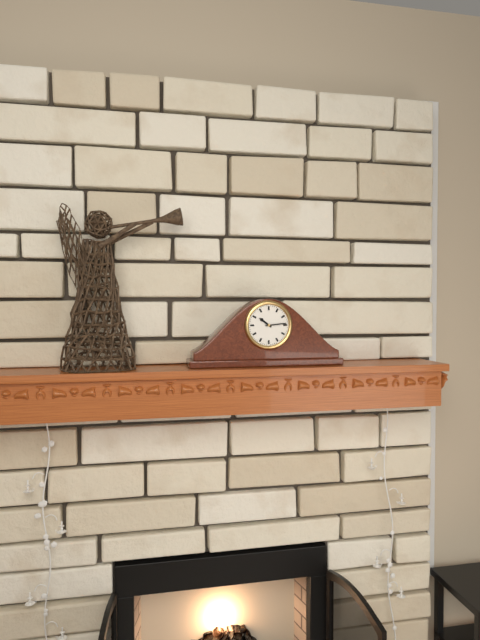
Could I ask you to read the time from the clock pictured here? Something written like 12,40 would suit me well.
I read 10,14
